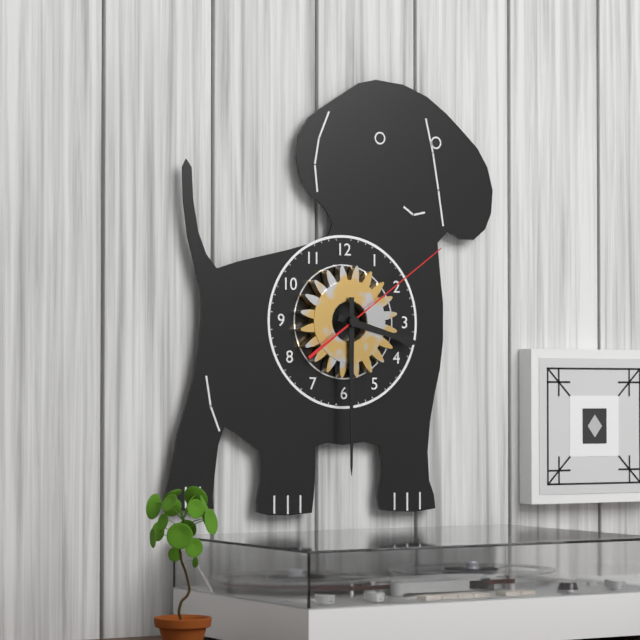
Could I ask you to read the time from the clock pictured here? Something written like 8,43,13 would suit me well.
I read 3,30,09
